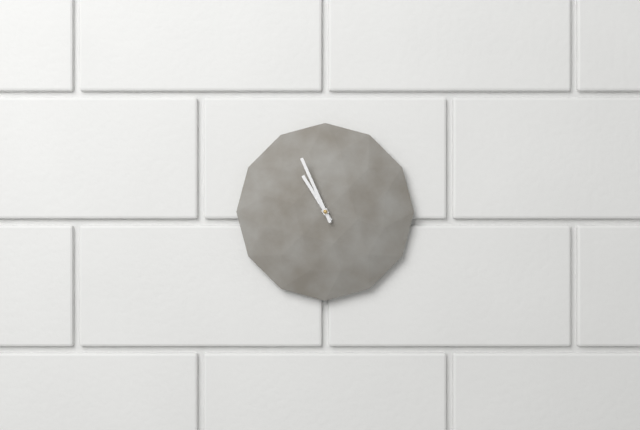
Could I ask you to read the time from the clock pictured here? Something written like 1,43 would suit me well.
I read 10,56
